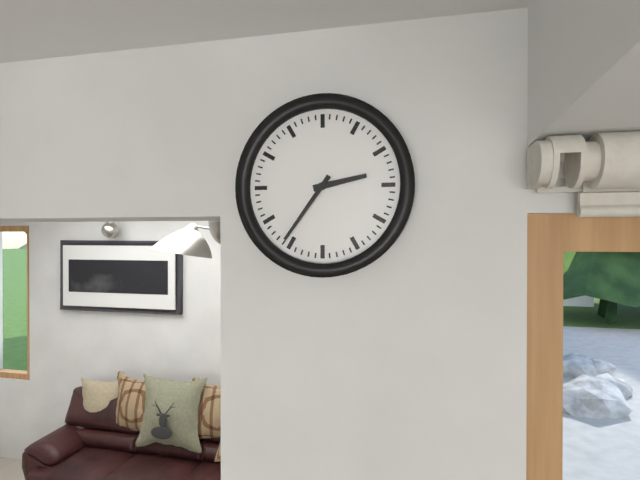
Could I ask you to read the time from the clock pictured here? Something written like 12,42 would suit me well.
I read 2,36
